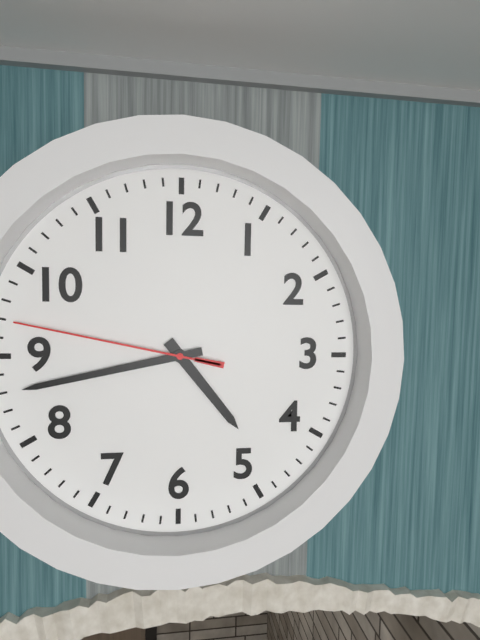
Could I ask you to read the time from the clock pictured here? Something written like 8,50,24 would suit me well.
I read 4,43,47
